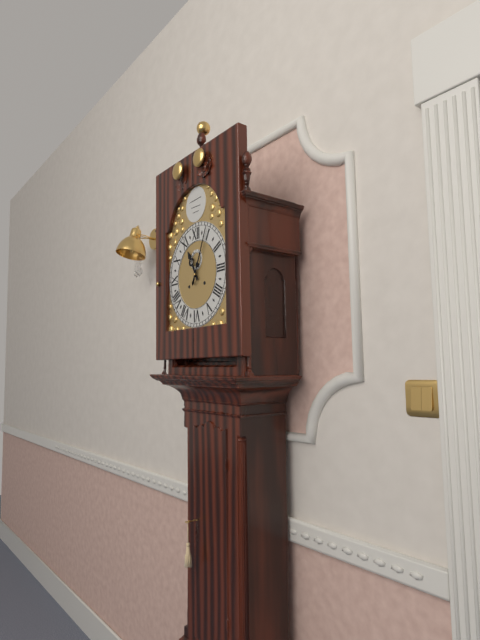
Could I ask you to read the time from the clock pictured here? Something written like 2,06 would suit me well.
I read 11,04
